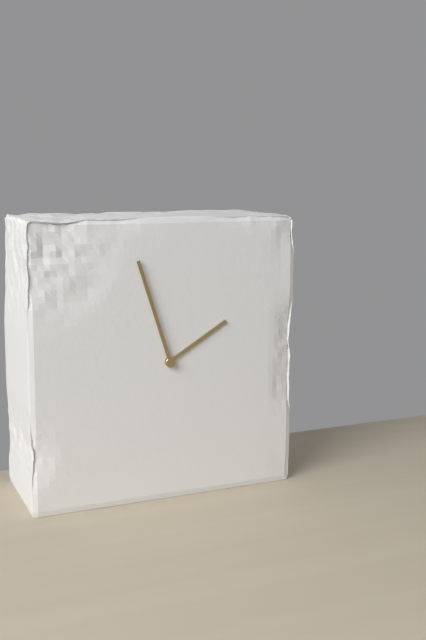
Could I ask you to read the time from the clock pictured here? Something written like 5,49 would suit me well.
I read 1,57
